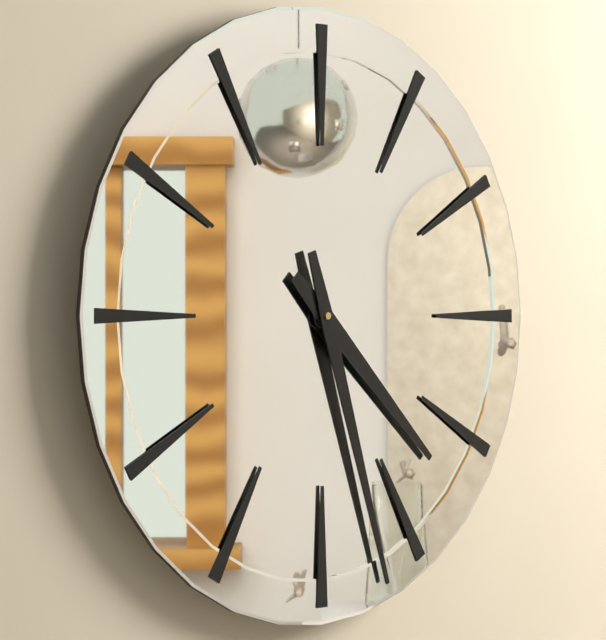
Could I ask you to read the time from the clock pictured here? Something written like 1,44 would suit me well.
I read 4,27
